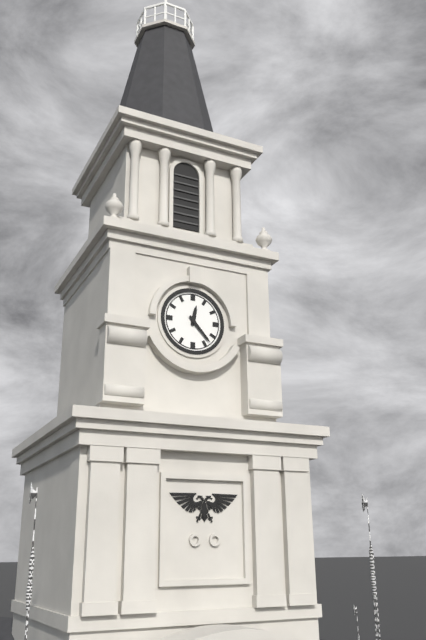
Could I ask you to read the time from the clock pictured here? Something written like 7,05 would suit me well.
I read 12,23
